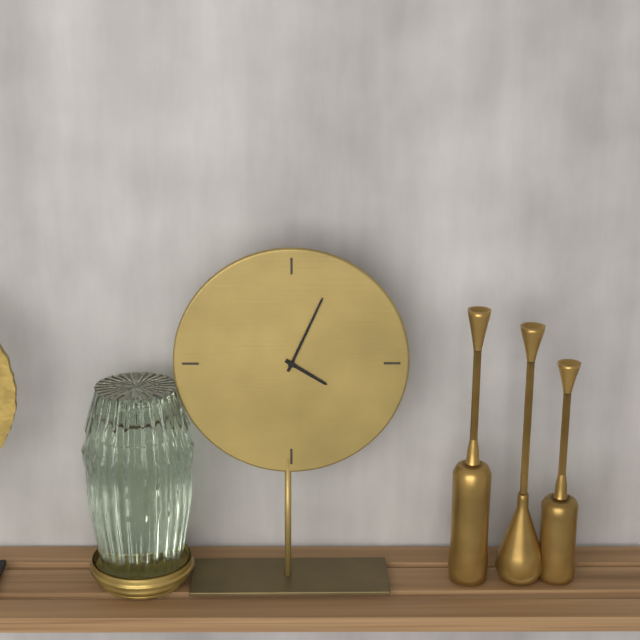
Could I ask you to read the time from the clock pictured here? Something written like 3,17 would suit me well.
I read 4,04
